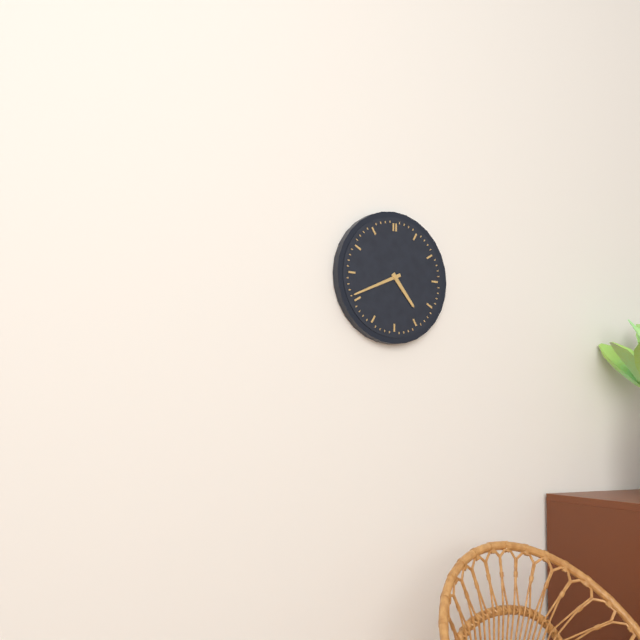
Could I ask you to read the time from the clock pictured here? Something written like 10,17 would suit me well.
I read 4,41
